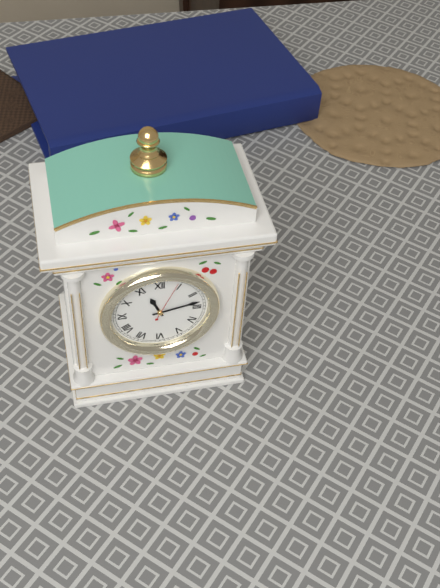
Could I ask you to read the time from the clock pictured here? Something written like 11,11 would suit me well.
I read 11,13
